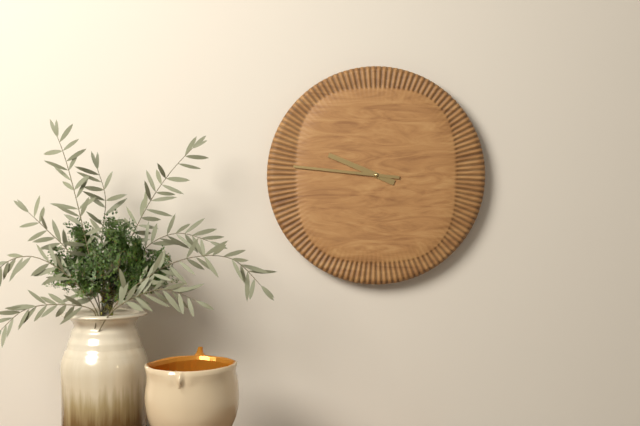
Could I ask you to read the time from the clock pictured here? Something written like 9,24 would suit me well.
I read 9,46
